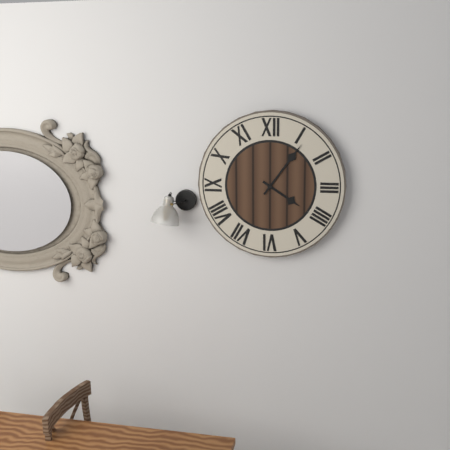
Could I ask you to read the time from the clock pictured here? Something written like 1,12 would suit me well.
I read 4,06
